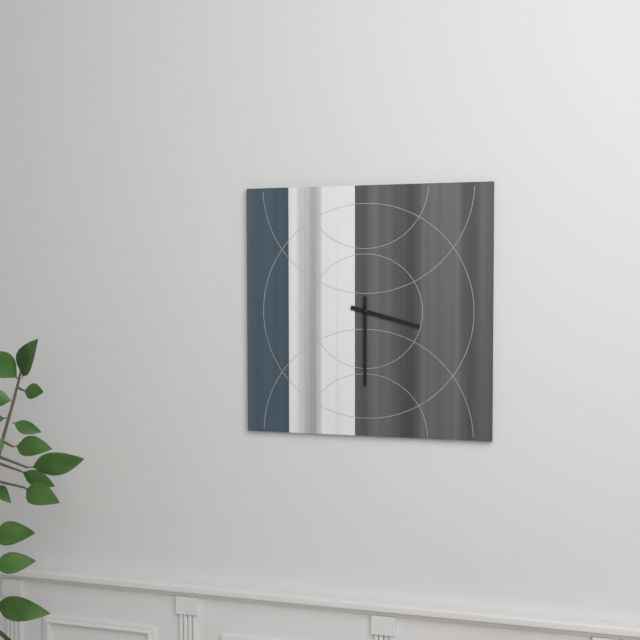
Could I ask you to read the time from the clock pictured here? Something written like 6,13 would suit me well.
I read 3,30
